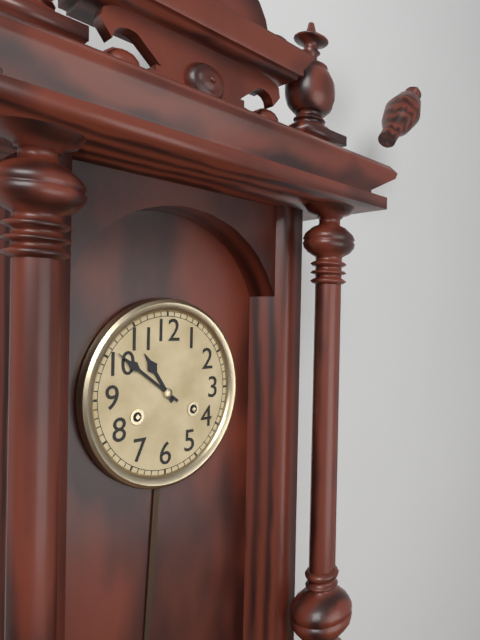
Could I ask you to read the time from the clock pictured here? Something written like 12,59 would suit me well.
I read 10,51
